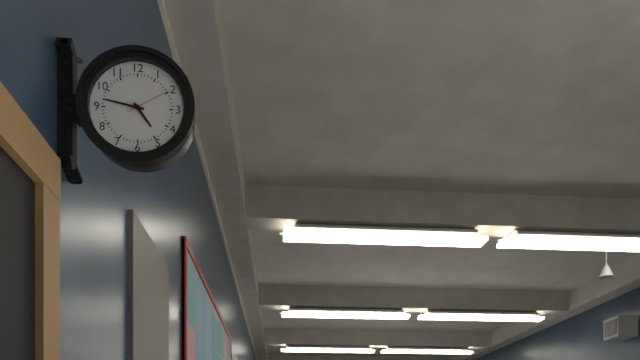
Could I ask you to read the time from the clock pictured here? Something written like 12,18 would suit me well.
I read 4,47
